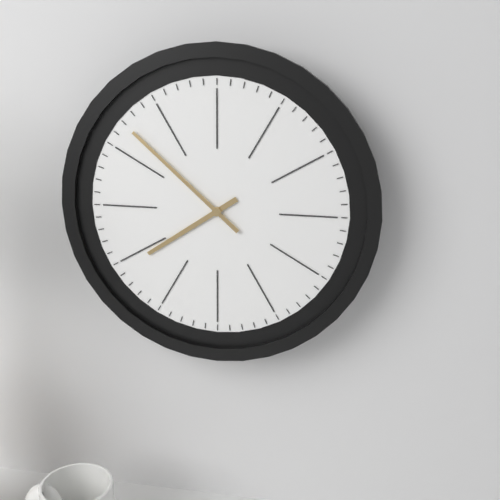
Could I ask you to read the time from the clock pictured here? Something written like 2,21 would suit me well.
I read 7,52
